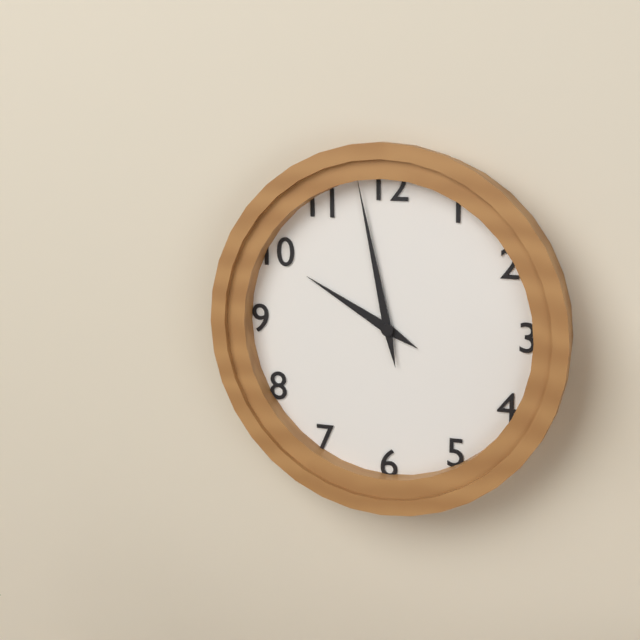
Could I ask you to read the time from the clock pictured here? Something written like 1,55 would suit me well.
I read 9,58
